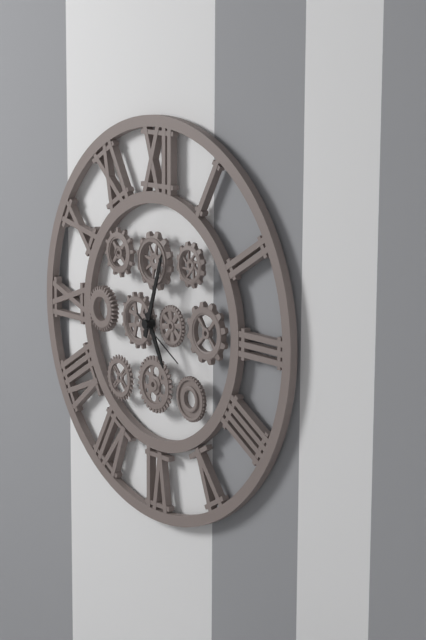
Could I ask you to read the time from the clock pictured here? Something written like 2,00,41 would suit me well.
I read 5,03,20
